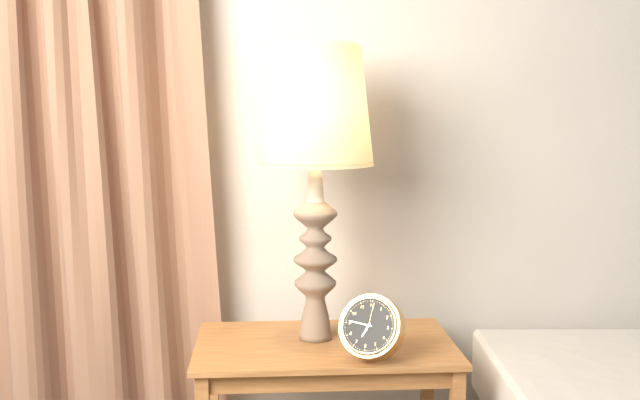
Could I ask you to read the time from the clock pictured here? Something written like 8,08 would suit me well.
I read 6,46
